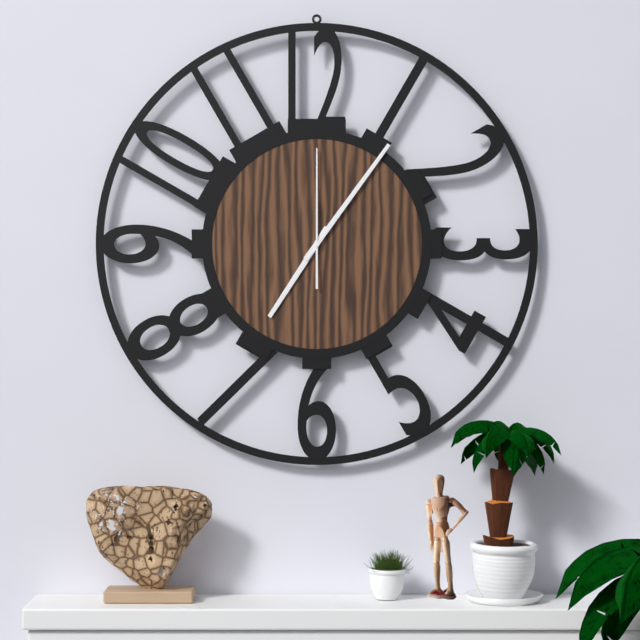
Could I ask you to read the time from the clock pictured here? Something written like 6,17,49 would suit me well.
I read 7,06,00
